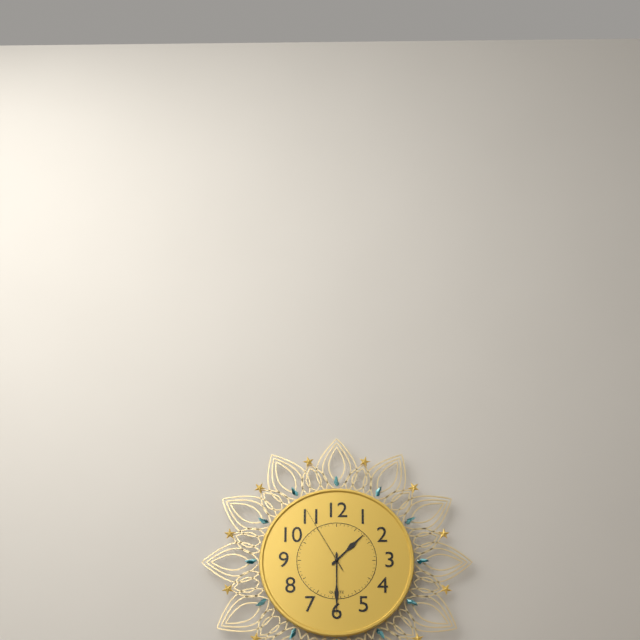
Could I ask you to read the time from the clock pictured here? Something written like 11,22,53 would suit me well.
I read 1,30,55
